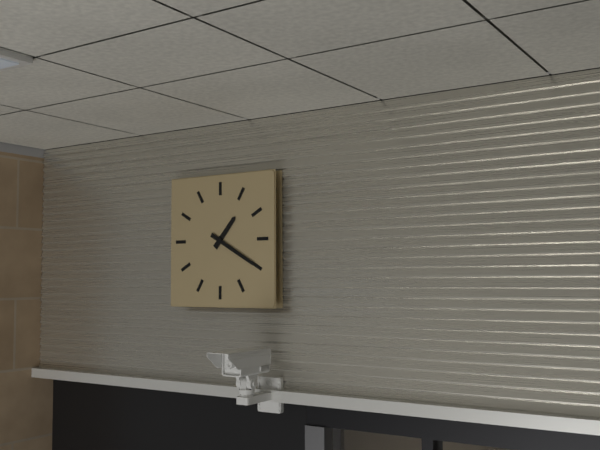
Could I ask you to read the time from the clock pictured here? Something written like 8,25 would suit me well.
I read 1,20
